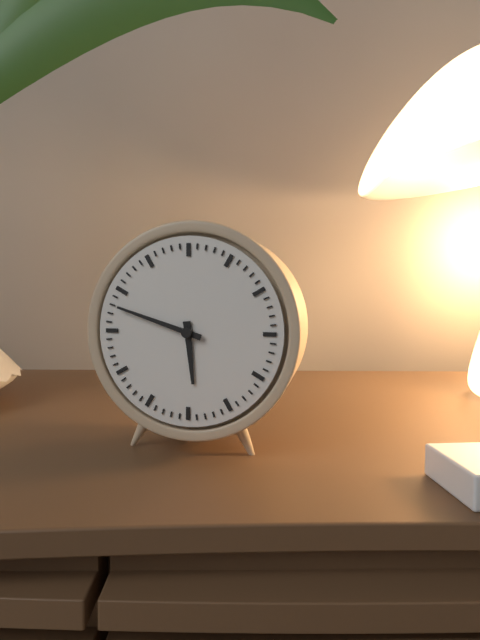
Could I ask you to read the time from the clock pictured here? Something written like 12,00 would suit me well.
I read 5,48
